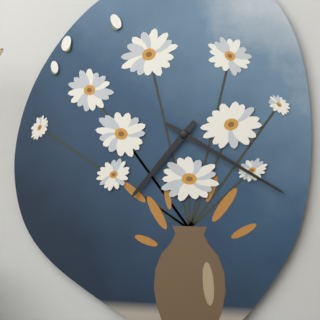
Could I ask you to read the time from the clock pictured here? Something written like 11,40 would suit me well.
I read 7,20
